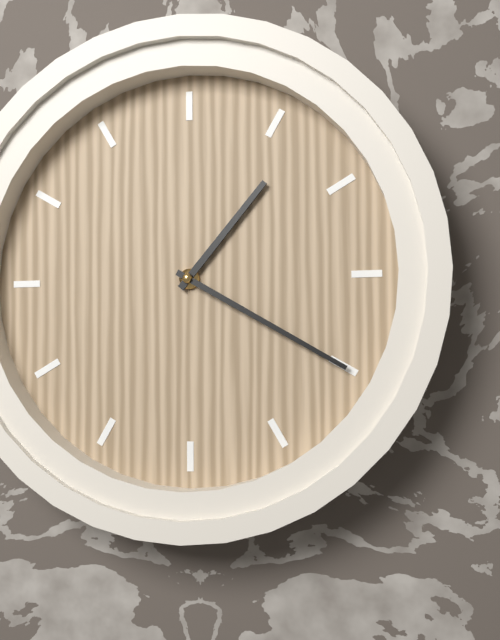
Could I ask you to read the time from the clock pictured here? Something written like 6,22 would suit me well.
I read 1,20
